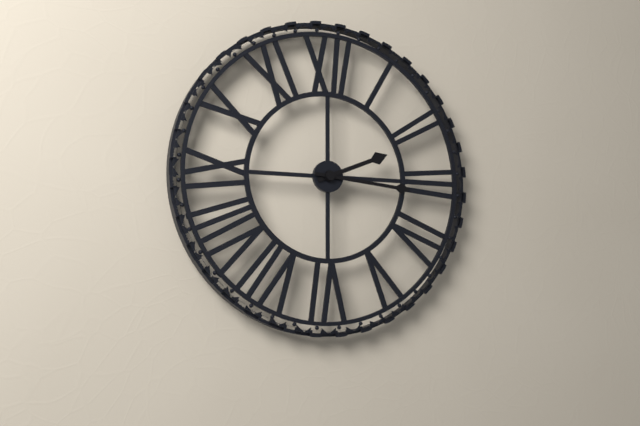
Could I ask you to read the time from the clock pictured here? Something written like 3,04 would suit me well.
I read 2,16
